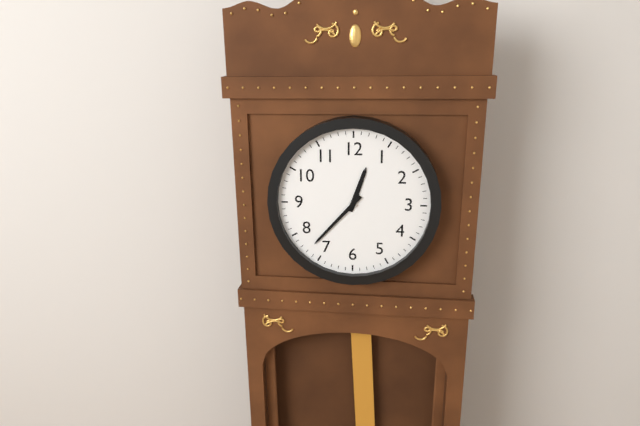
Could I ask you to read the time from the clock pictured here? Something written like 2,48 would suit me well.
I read 12,37
